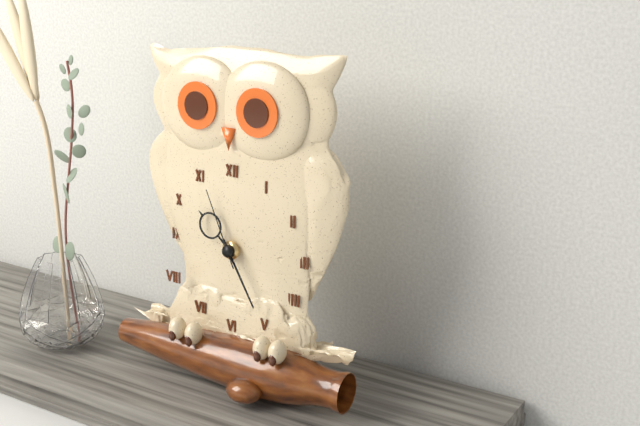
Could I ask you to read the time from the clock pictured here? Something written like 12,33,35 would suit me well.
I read 10,25,56
